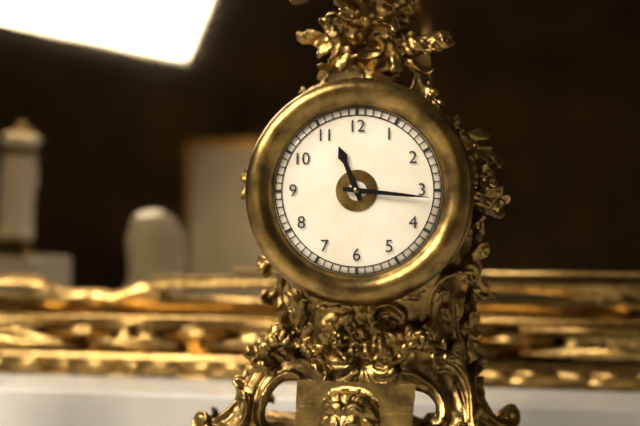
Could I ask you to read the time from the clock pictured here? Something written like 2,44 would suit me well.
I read 11,16
